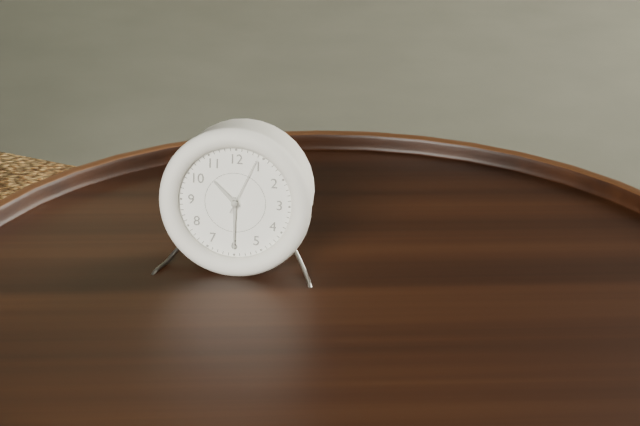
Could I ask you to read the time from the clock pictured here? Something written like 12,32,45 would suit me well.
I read 10,30,04
